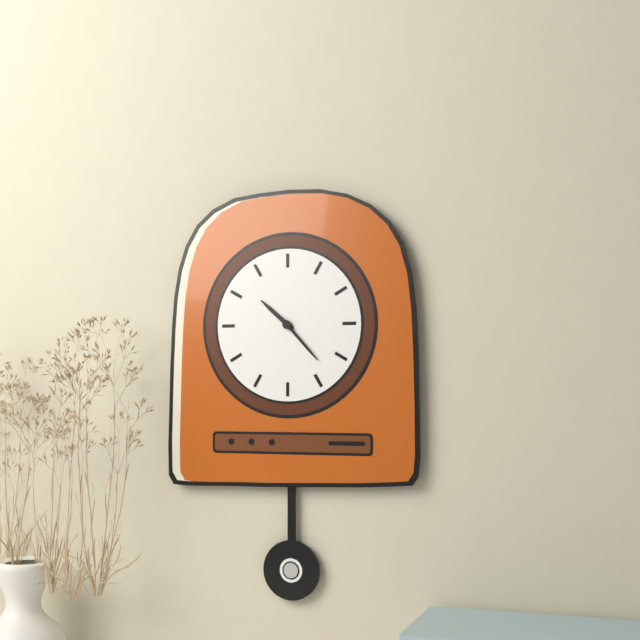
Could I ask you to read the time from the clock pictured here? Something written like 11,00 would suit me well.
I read 10,23
